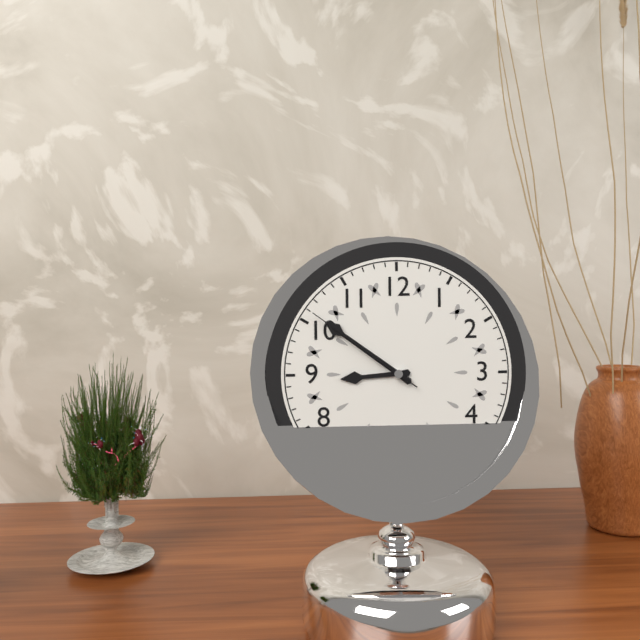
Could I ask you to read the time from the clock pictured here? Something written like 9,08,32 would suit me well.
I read 8,51,51
